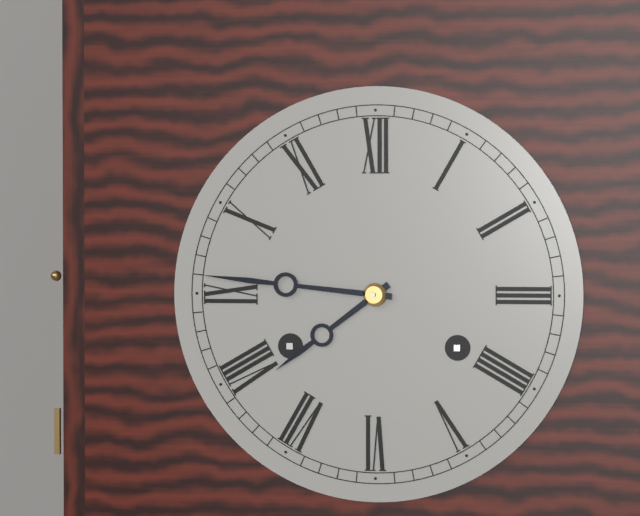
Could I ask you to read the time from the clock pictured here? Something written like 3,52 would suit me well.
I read 7,46
